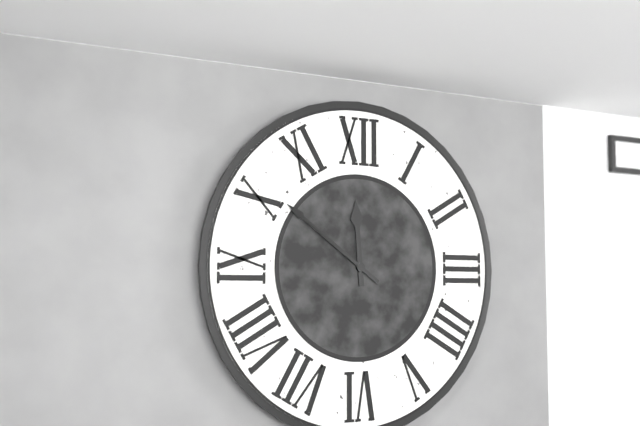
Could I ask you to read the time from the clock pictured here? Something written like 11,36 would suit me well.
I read 11,51
